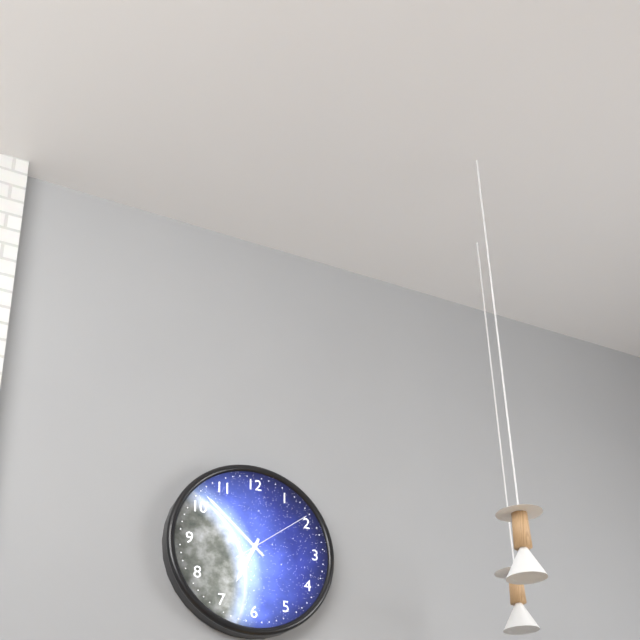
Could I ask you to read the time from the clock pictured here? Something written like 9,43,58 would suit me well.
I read 6,52,09
